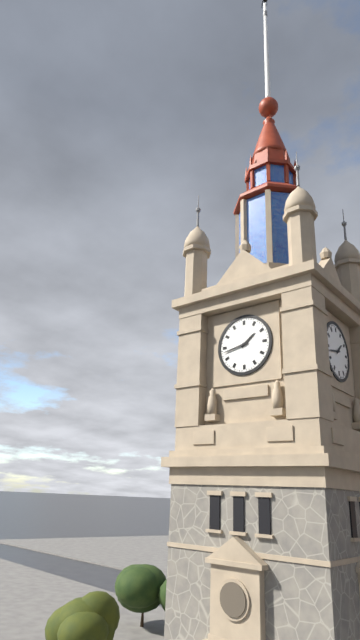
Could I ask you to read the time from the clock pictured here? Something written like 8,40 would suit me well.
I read 1,43
